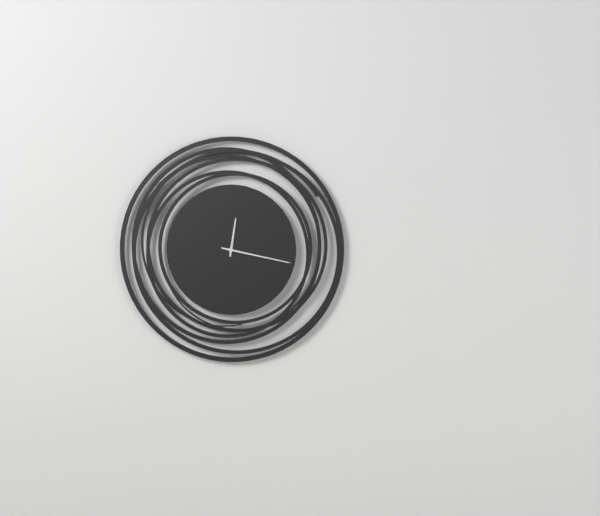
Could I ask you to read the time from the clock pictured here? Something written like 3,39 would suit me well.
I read 12,17
